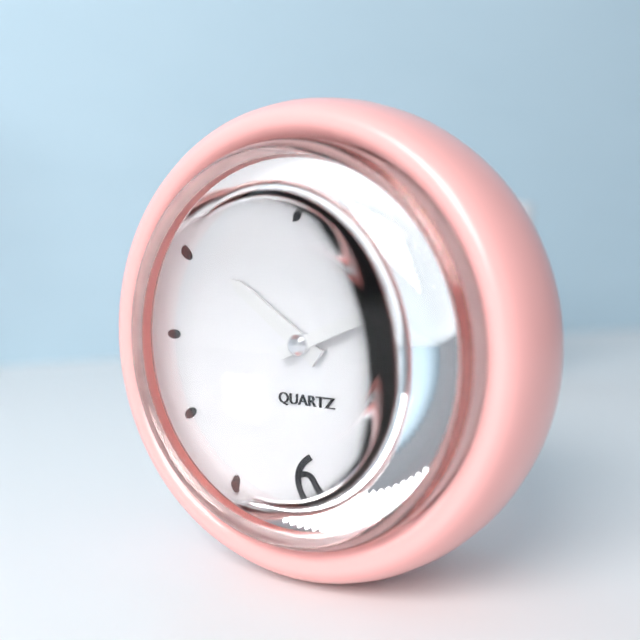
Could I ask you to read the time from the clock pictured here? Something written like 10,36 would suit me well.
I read 10,11
